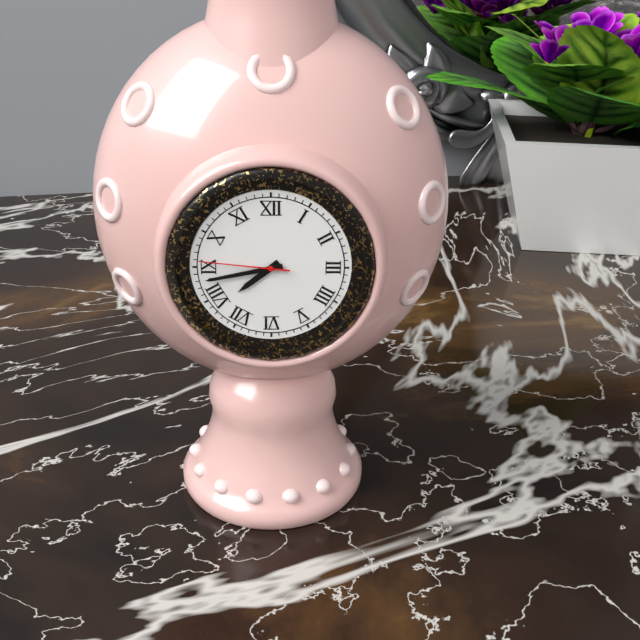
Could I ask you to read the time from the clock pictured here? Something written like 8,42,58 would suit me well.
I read 7,43,46
